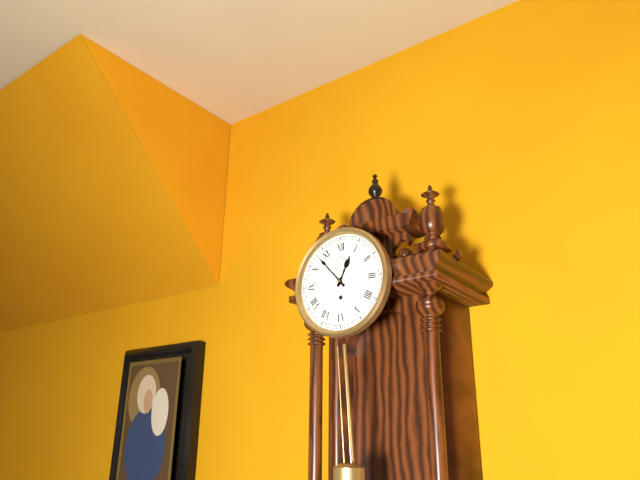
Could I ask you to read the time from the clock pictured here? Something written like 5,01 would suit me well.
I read 12,53
